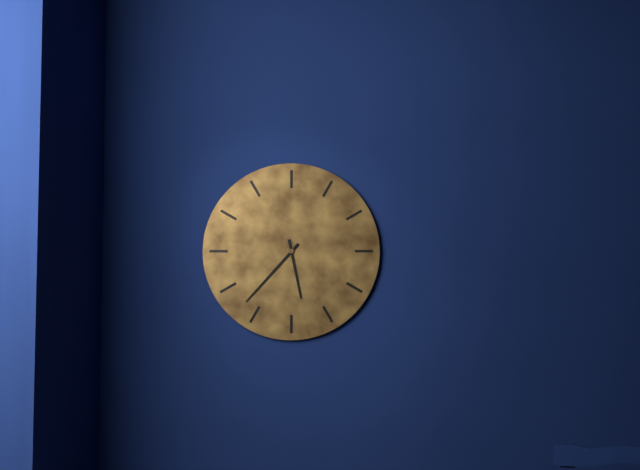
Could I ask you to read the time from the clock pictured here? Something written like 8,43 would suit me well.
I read 5,37
